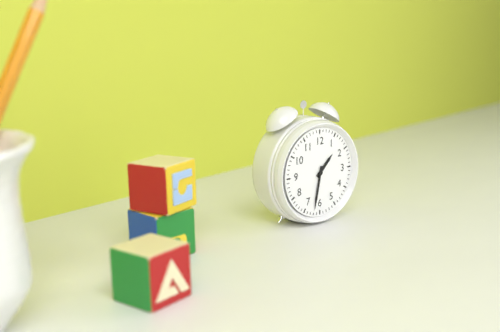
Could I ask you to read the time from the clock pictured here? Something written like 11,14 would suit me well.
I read 1,32
